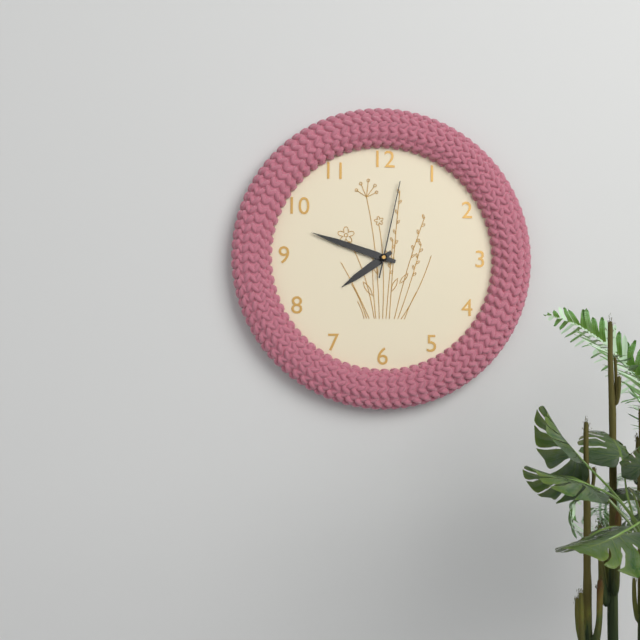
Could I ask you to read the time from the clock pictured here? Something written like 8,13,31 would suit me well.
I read 7,48,02
